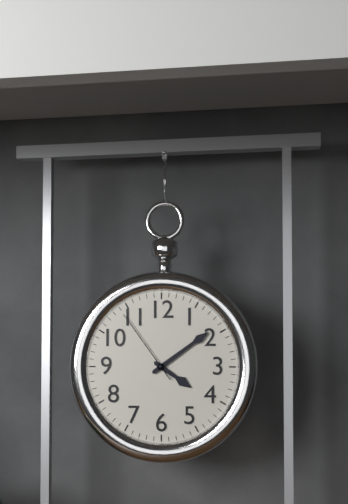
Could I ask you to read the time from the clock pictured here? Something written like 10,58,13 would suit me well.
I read 4,09,54
